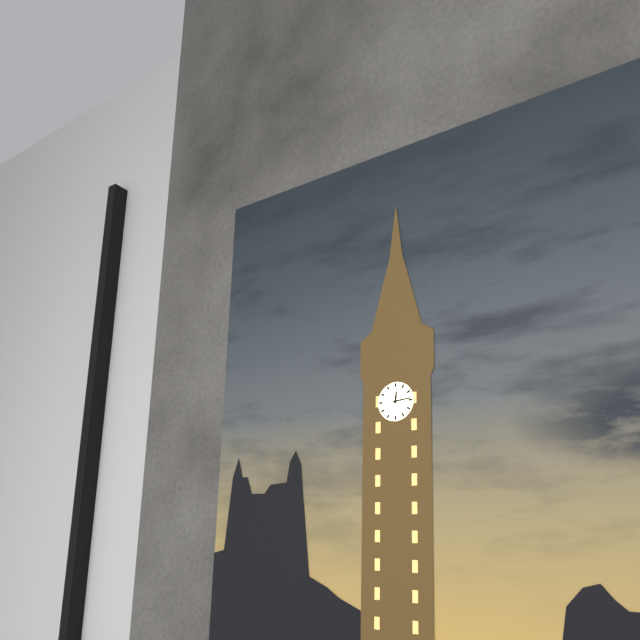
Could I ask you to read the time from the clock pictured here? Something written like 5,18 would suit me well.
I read 12,14
